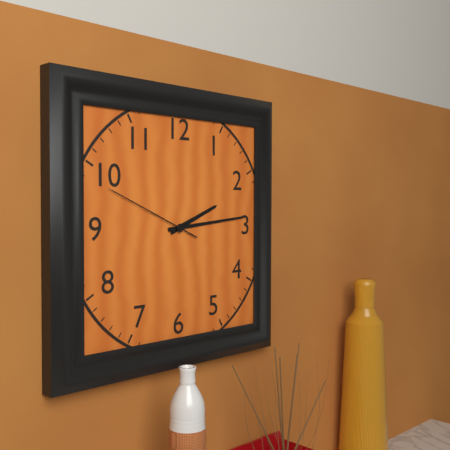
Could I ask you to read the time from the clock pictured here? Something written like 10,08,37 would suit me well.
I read 2,14,49
